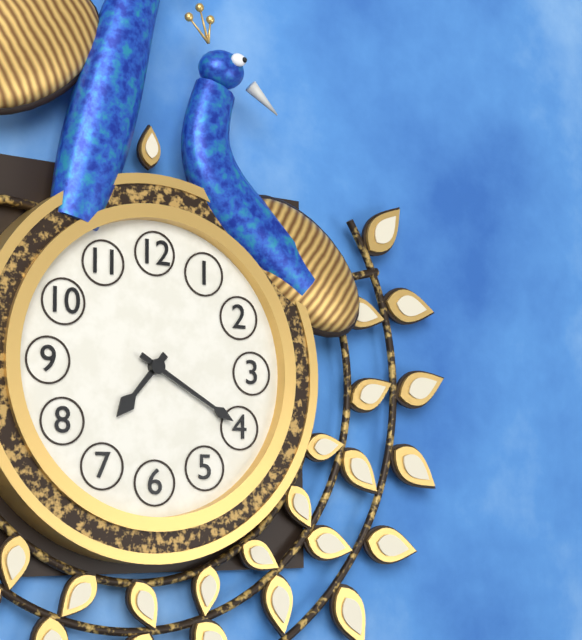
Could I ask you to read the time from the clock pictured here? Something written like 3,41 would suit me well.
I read 7,20
